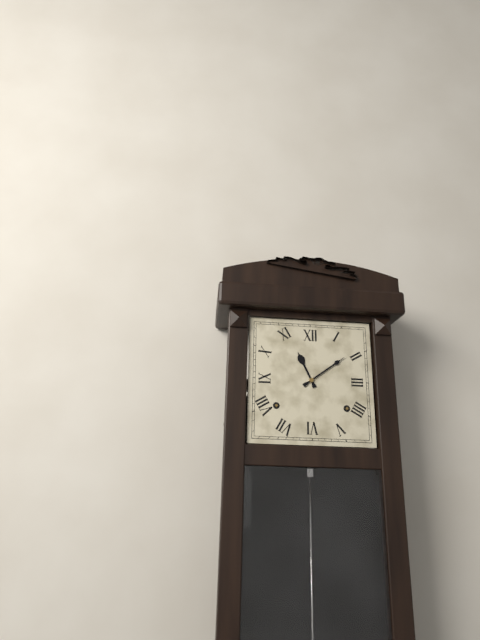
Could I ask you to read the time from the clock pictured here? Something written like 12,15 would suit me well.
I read 11,09
